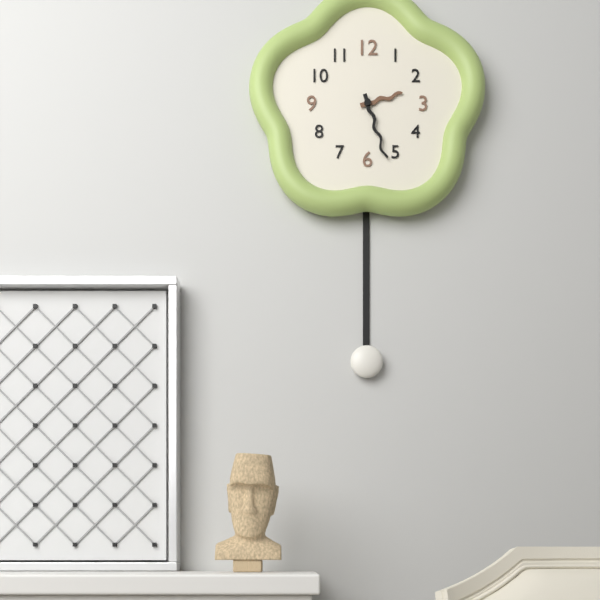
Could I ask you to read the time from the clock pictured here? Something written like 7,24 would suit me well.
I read 2,27
